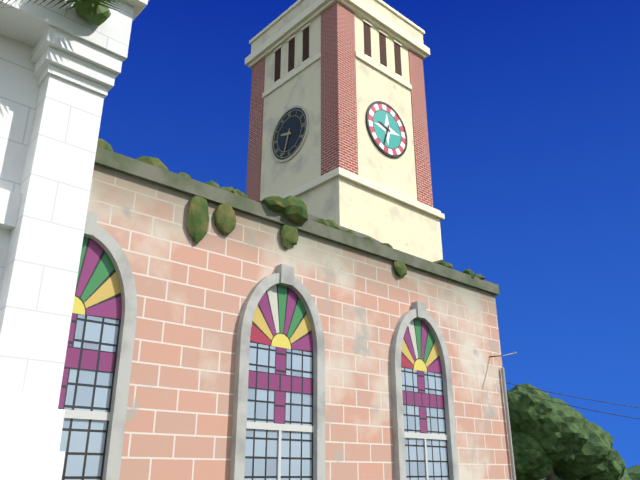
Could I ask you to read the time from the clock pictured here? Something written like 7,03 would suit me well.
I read 9,33
